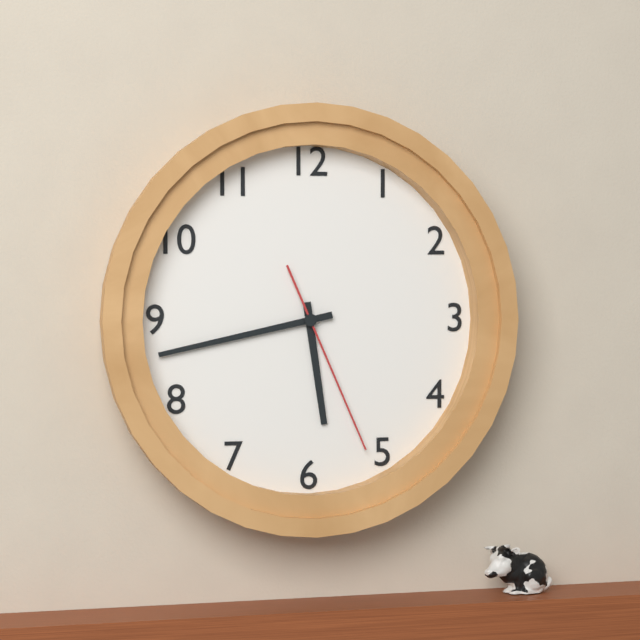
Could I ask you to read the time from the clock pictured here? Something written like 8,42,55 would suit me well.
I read 5,43,26
